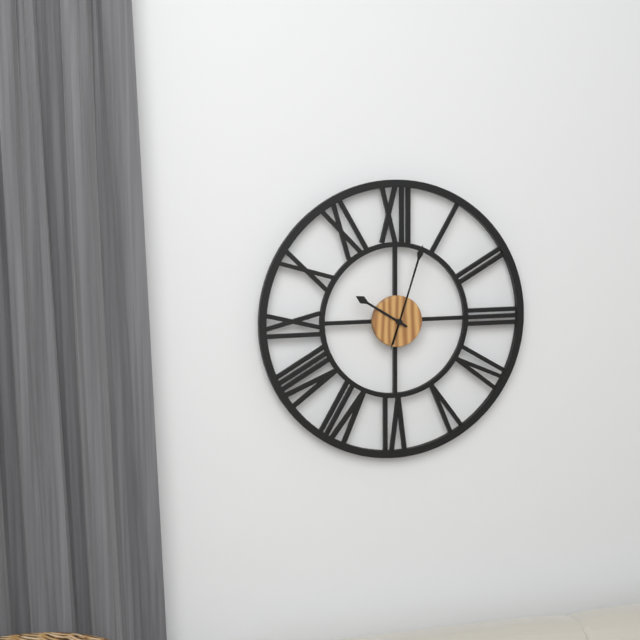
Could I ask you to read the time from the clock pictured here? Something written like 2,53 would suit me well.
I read 10,03
